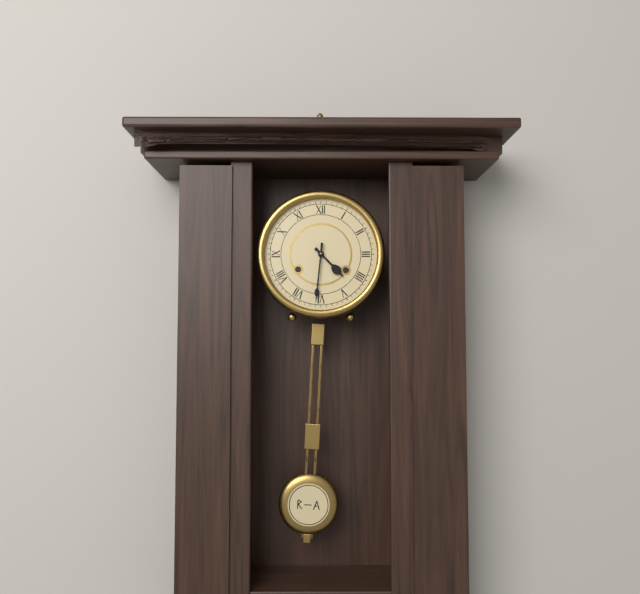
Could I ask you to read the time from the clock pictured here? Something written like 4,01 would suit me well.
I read 4,31
